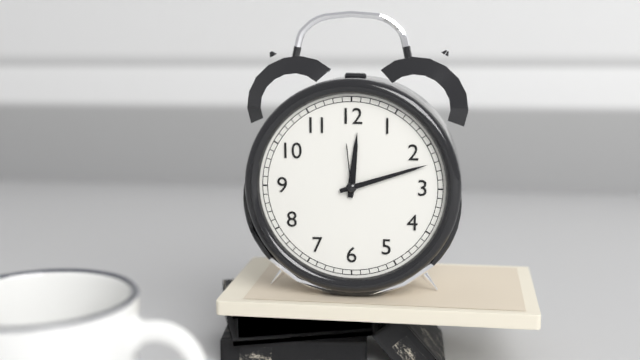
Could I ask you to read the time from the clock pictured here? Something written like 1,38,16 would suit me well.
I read 12,12,59
